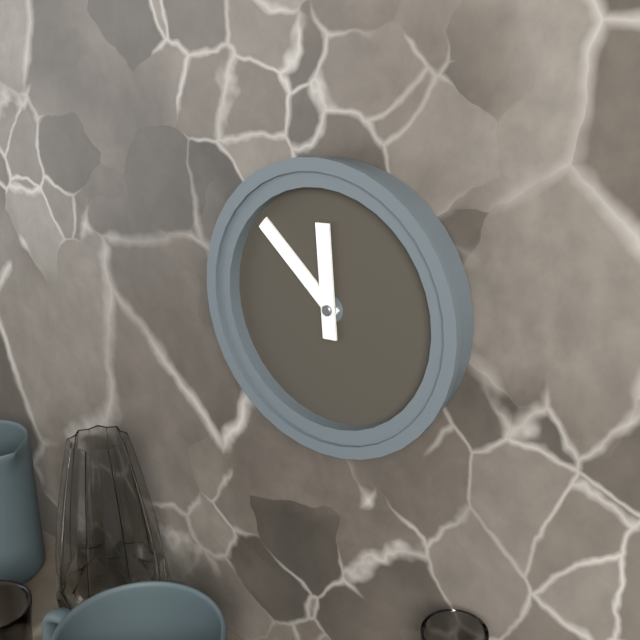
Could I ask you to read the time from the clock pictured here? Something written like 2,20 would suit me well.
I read 11,52
